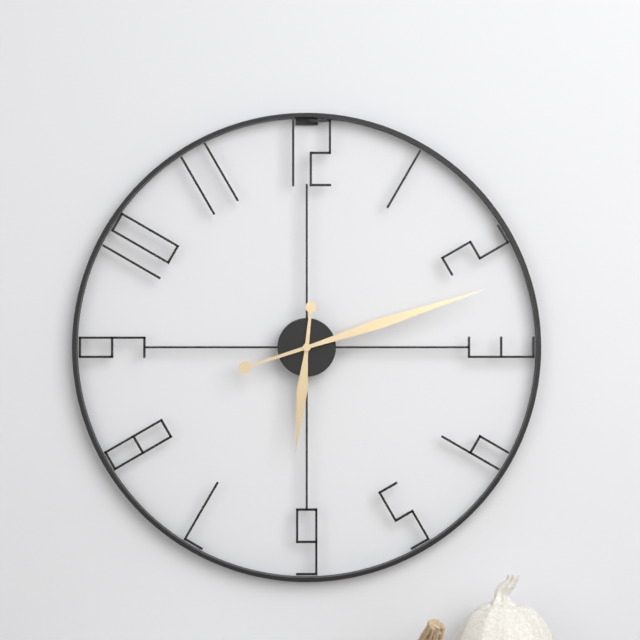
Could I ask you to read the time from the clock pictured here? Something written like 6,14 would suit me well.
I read 6,12
